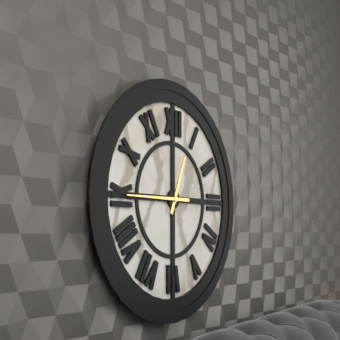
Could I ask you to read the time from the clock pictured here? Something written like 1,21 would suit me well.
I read 12,45
